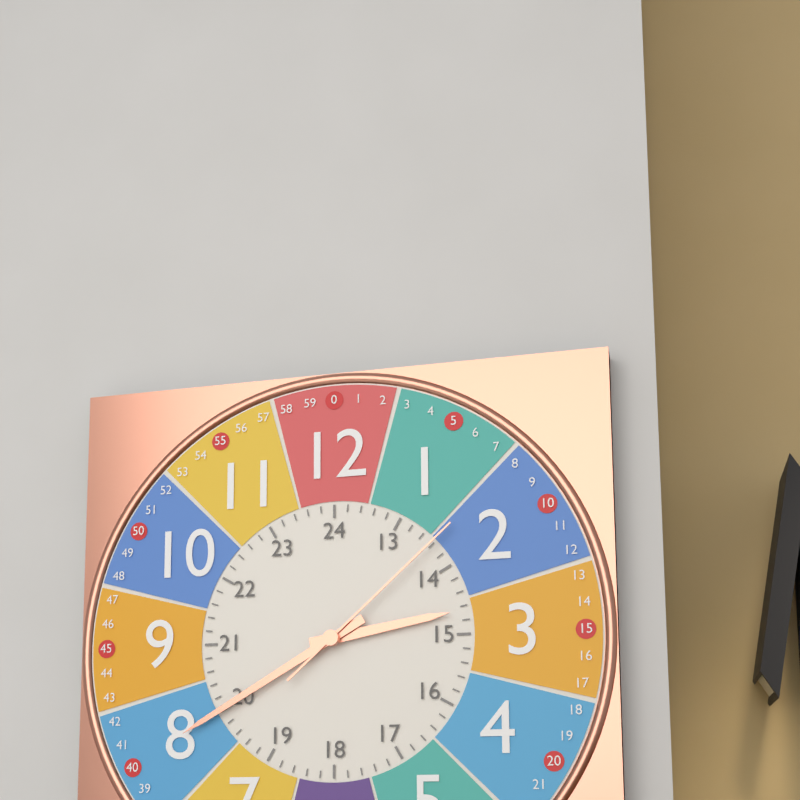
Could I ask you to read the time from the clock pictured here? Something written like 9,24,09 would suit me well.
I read 2,40,08
